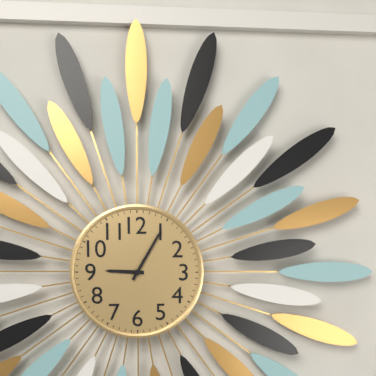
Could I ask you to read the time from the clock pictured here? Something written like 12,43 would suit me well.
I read 9,05
